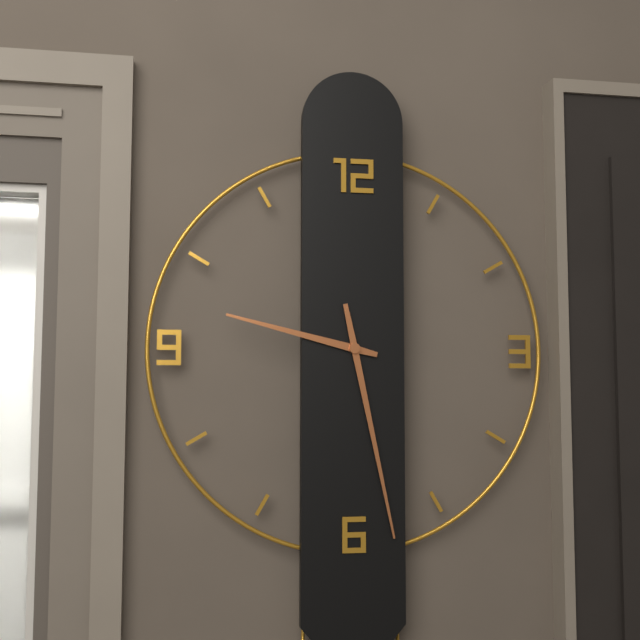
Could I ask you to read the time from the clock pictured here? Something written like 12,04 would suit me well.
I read 9,28
